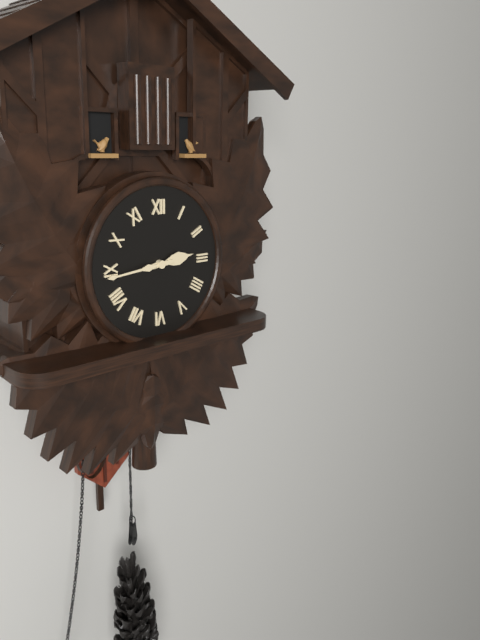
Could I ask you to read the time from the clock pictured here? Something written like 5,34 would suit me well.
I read 2,44
